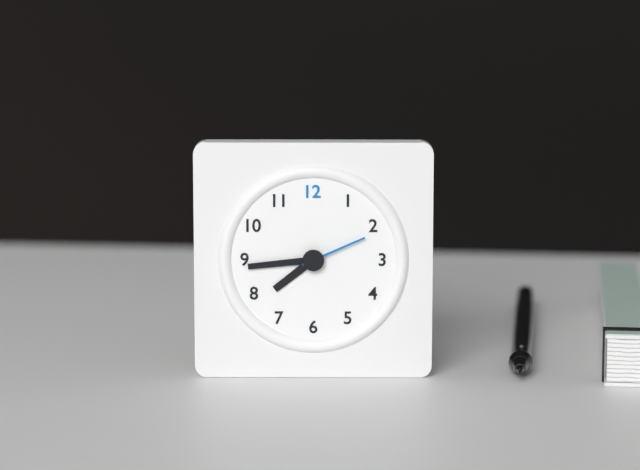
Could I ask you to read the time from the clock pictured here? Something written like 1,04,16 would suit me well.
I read 7,44,11
